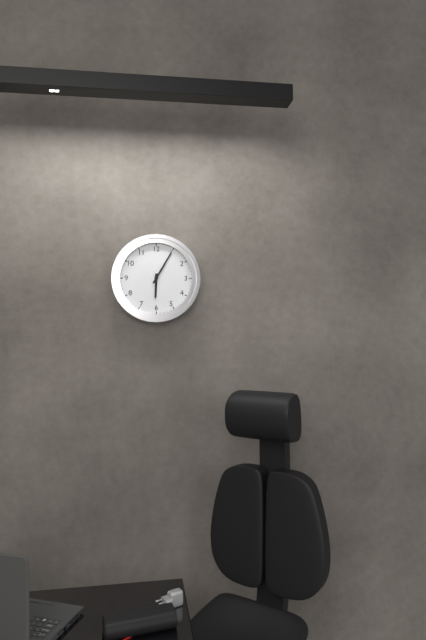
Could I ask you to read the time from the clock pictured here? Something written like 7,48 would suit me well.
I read 6,05
